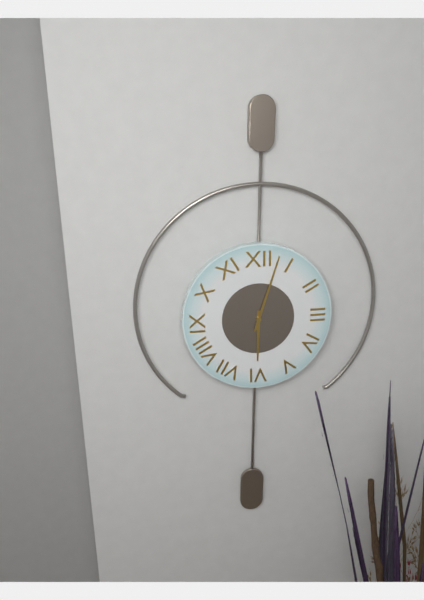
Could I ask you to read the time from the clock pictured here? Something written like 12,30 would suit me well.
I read 6,03
